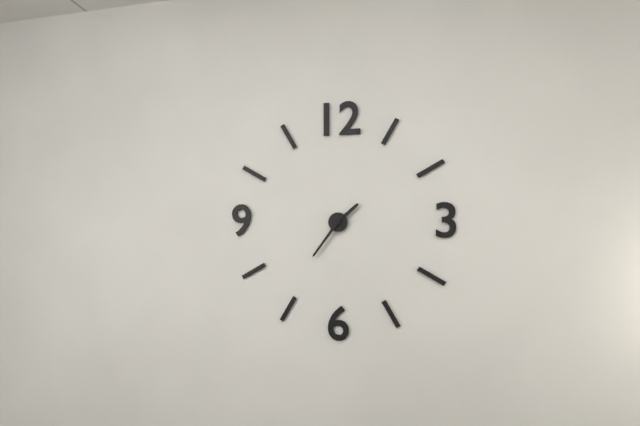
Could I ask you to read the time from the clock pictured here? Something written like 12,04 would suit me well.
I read 1,36
